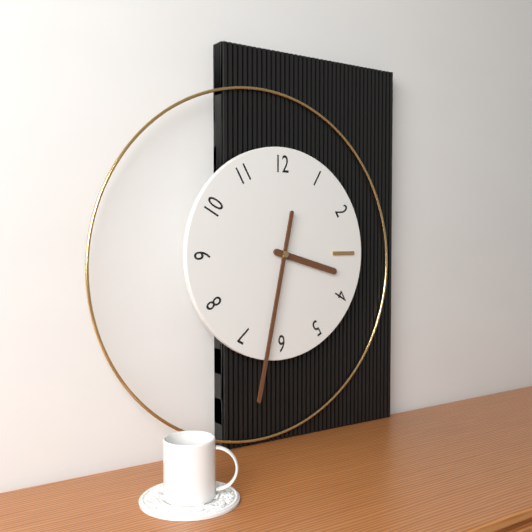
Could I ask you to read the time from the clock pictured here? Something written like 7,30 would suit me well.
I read 3,32
